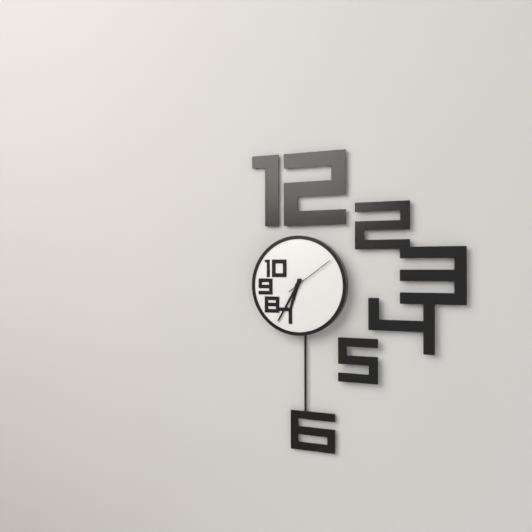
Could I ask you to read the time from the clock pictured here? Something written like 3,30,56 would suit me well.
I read 6,35,09
